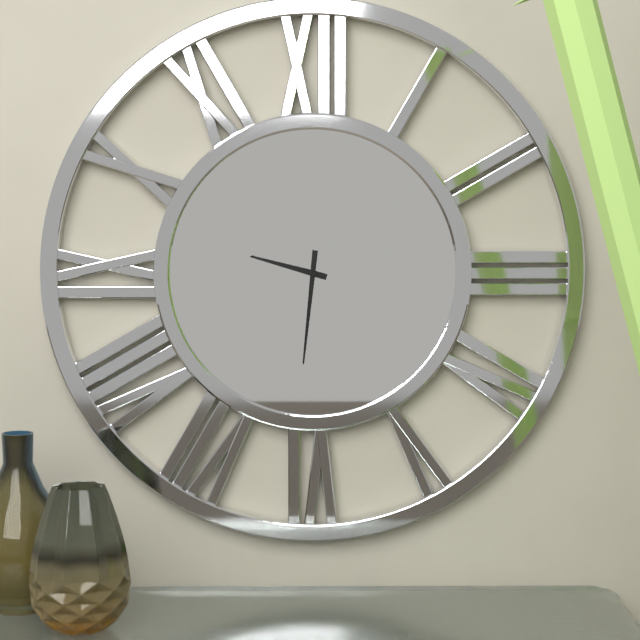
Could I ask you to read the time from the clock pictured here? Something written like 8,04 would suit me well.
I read 9,31
